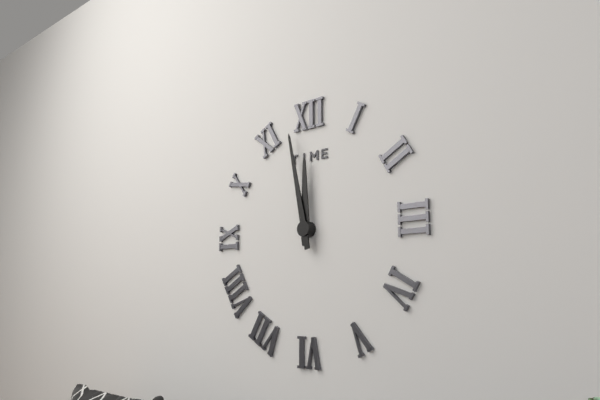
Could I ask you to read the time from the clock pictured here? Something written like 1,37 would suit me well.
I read 11,58
